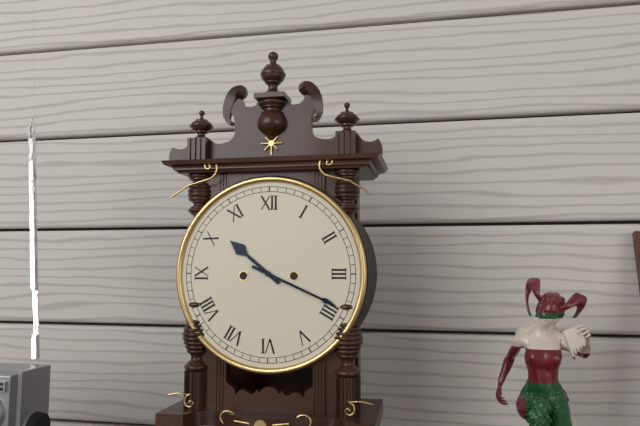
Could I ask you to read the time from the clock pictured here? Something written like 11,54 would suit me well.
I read 10,19
